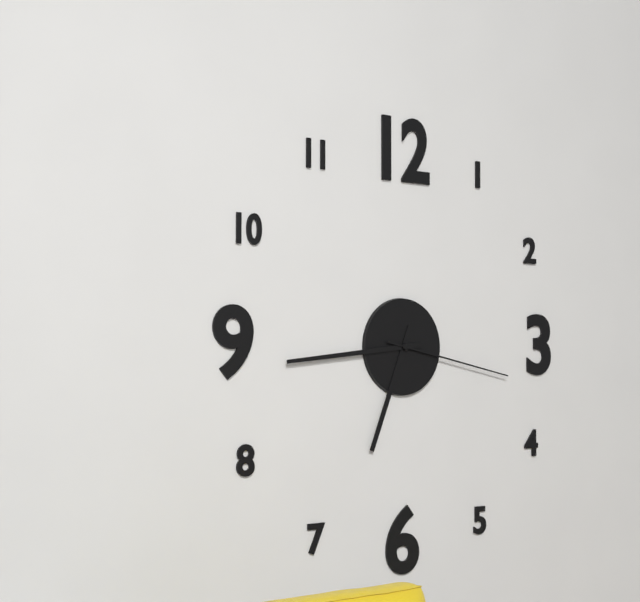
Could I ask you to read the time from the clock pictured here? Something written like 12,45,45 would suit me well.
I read 6,44,17
